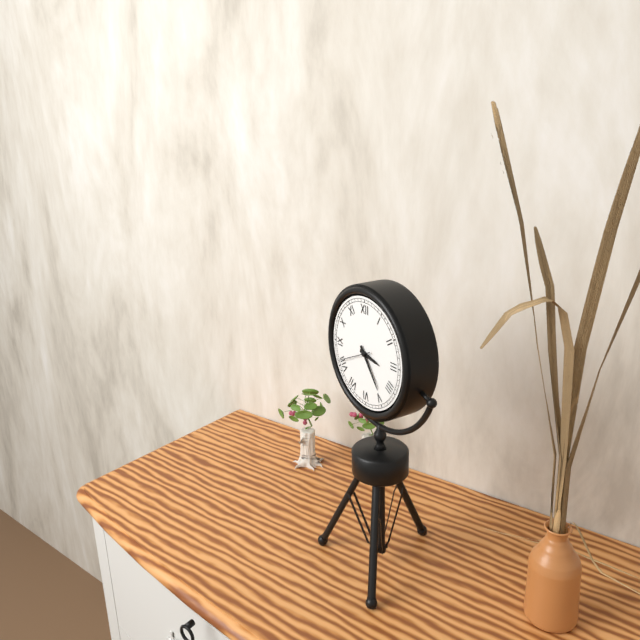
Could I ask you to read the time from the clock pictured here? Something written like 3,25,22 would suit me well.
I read 3,24,41
